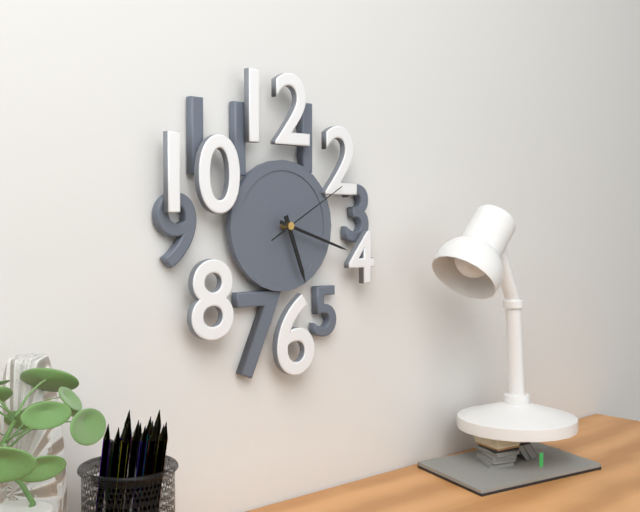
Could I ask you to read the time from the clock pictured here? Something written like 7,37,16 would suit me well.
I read 5,18,10
